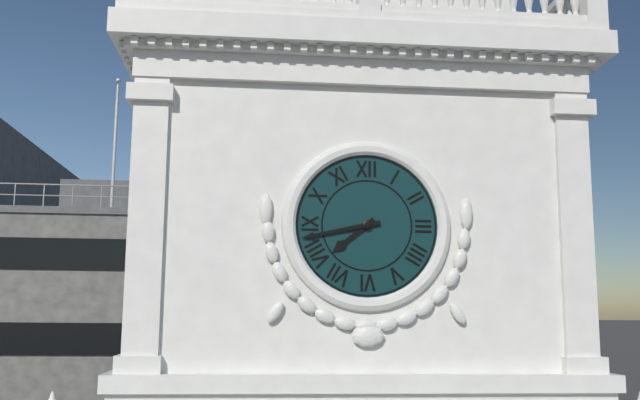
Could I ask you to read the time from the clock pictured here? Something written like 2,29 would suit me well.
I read 7,43
